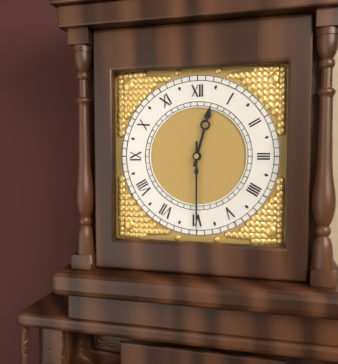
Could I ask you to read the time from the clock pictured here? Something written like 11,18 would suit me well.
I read 12,30
